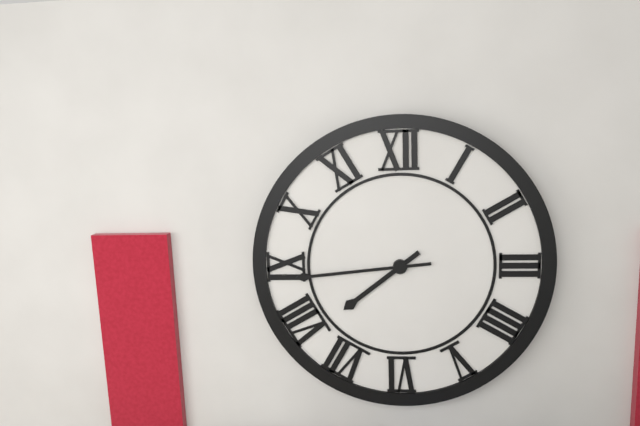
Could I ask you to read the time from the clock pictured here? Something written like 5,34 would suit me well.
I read 7,44
